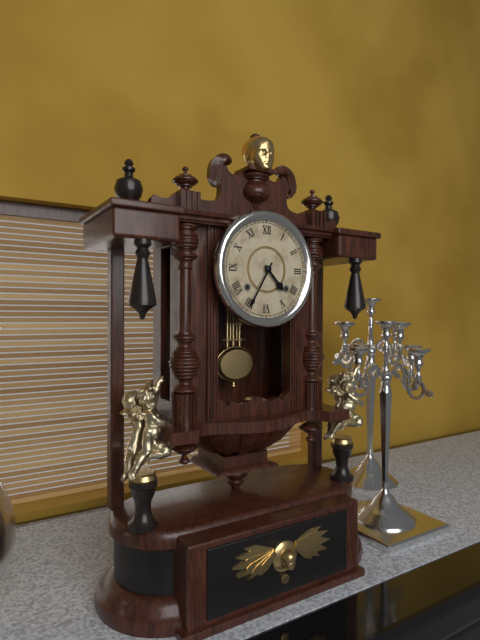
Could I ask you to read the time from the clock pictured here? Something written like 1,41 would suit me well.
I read 4,35
